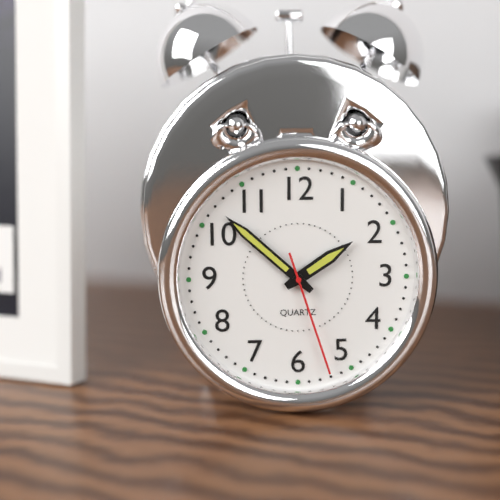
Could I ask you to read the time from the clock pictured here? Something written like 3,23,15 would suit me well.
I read 1,52,27
